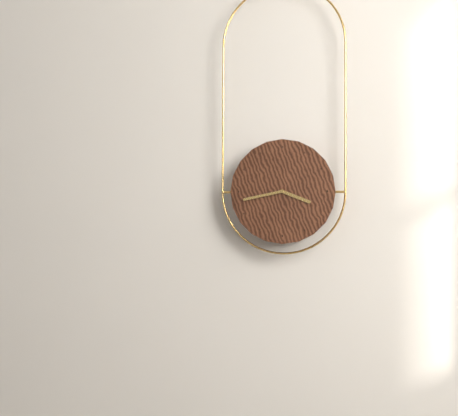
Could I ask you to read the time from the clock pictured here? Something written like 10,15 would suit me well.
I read 3,43
